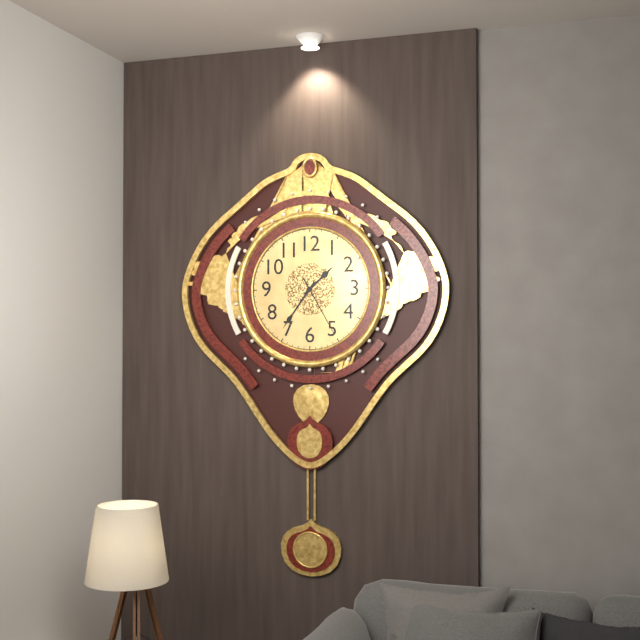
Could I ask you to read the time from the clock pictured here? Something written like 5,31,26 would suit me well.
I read 1,36,25
